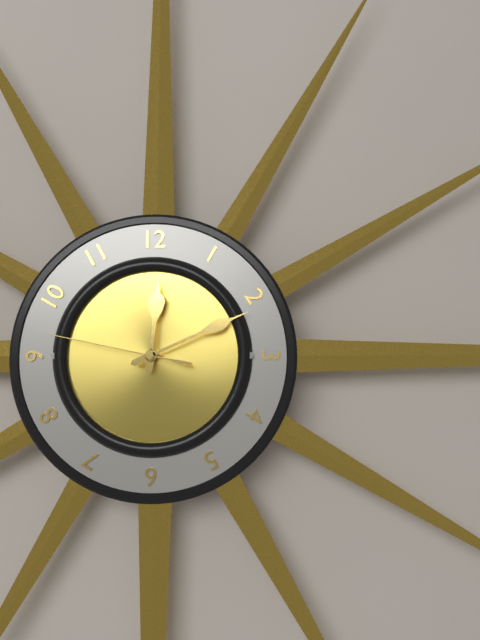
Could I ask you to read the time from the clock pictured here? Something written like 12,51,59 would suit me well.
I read 12,11,47
